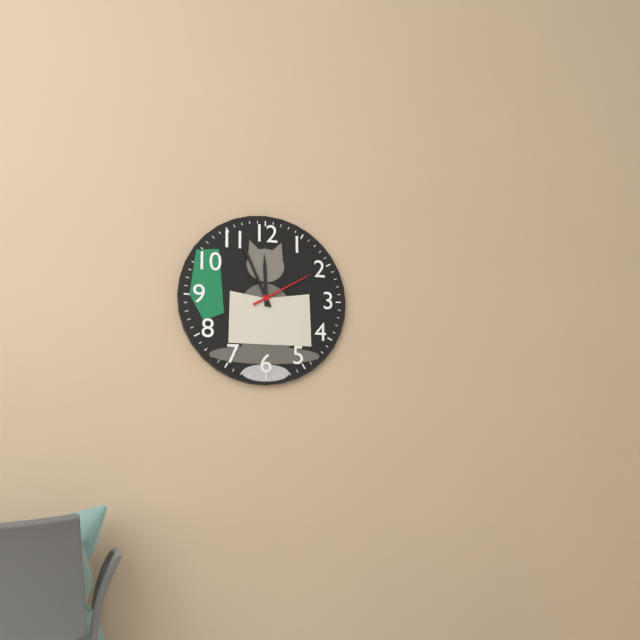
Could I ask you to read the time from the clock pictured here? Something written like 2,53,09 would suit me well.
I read 11,56,10
